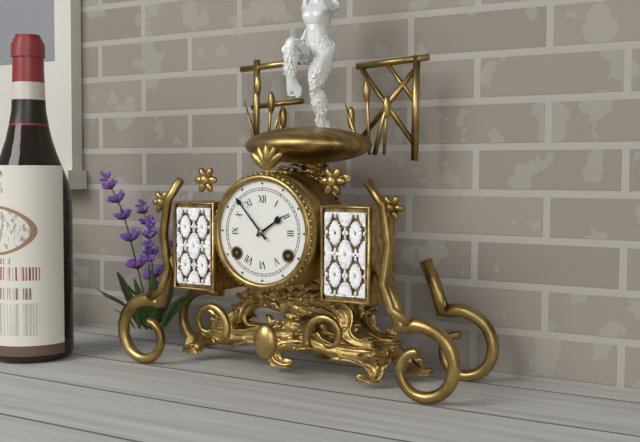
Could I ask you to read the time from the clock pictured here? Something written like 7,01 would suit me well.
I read 1,53
